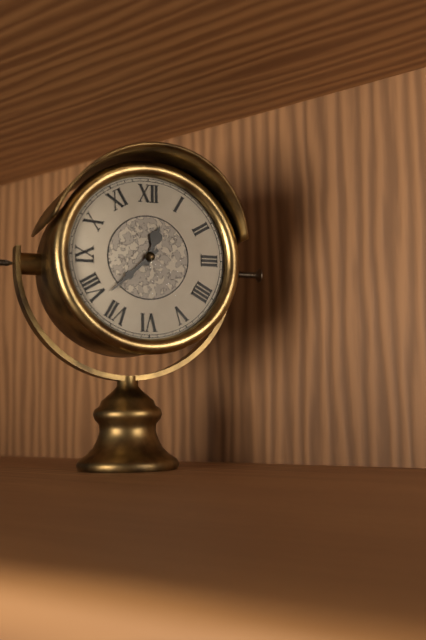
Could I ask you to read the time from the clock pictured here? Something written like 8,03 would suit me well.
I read 12,38
